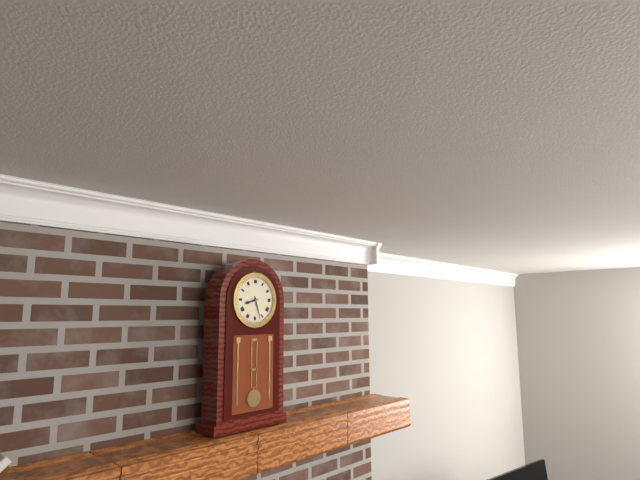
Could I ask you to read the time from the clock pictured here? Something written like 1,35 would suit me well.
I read 8,27
